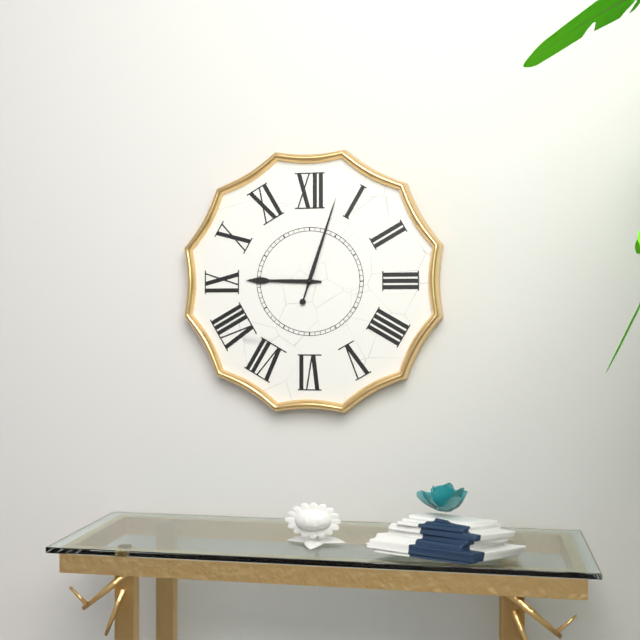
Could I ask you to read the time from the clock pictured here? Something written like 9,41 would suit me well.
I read 9,03
